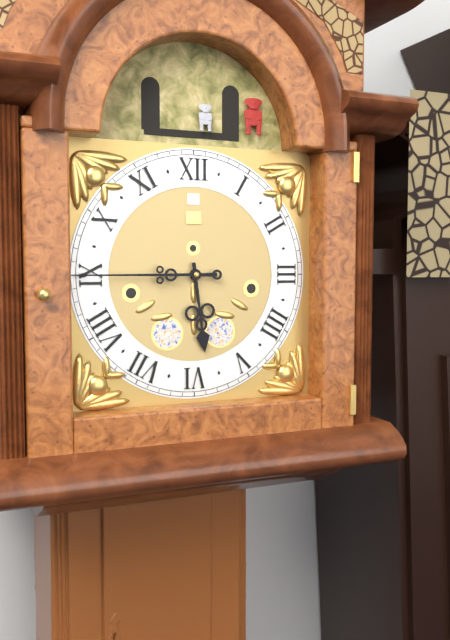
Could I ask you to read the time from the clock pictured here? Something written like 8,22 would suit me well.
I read 5,45
